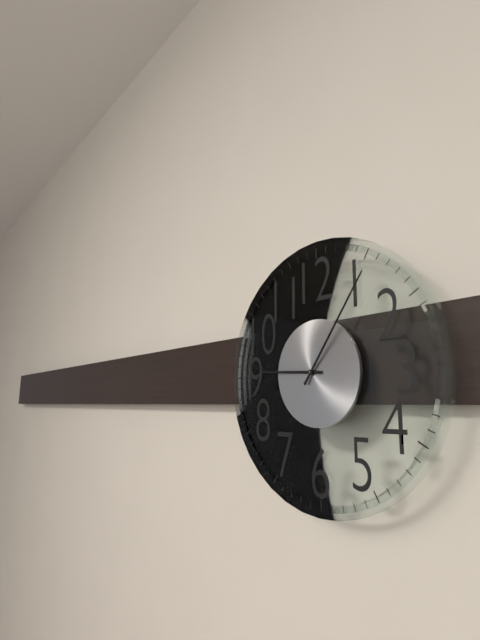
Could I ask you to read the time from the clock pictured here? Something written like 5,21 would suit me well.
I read 9,06
